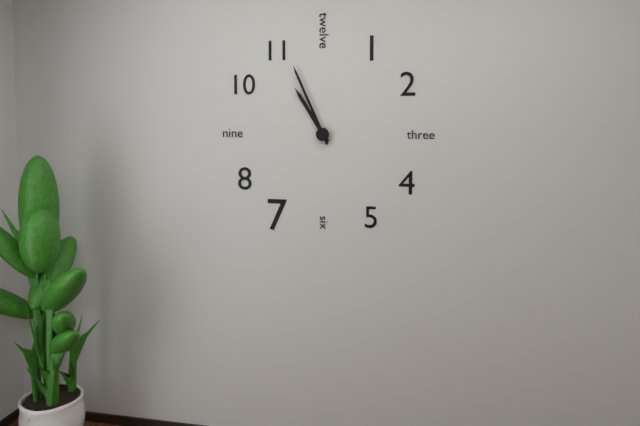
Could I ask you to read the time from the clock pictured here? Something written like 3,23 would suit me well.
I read 10,56
